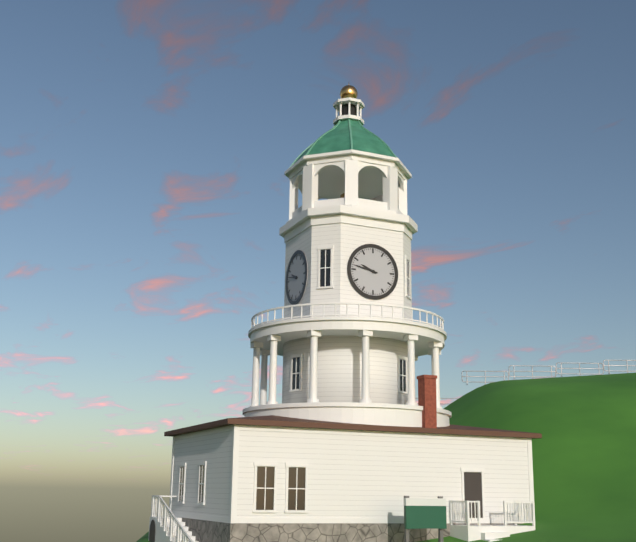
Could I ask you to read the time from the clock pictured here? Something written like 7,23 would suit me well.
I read 9,47
